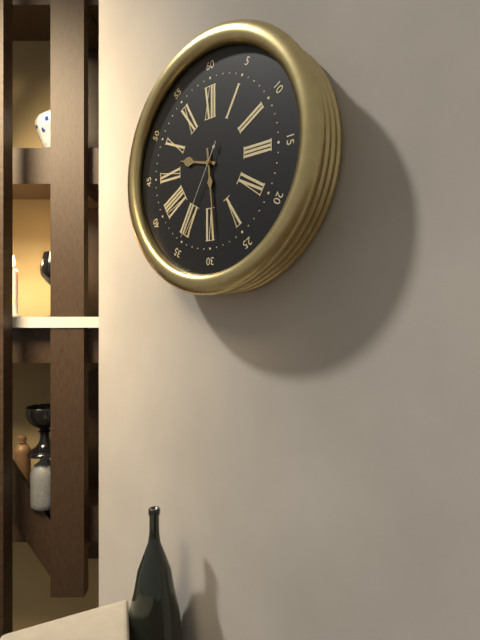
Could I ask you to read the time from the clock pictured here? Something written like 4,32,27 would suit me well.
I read 9,29,35
